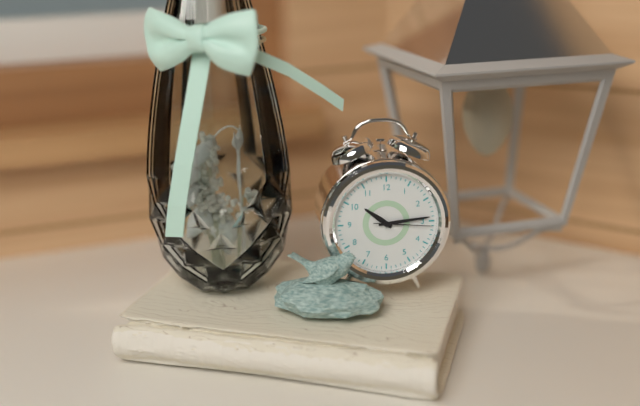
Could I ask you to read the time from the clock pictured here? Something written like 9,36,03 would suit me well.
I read 10,14,16
